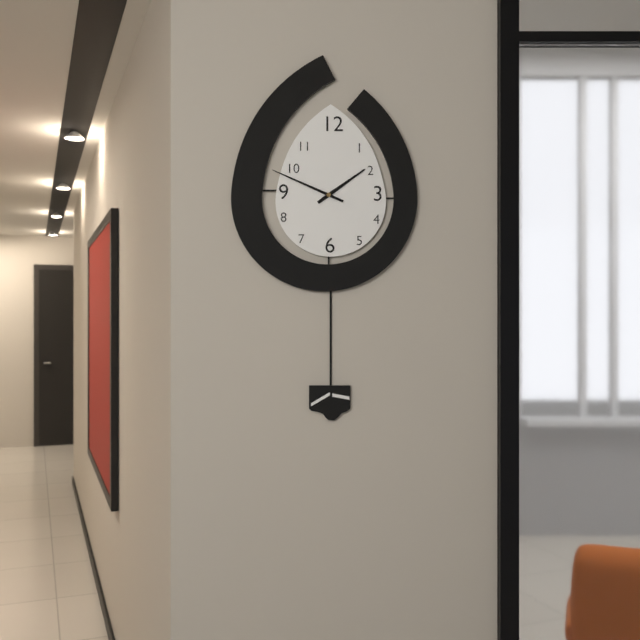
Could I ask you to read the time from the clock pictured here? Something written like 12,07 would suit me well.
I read 1,49
